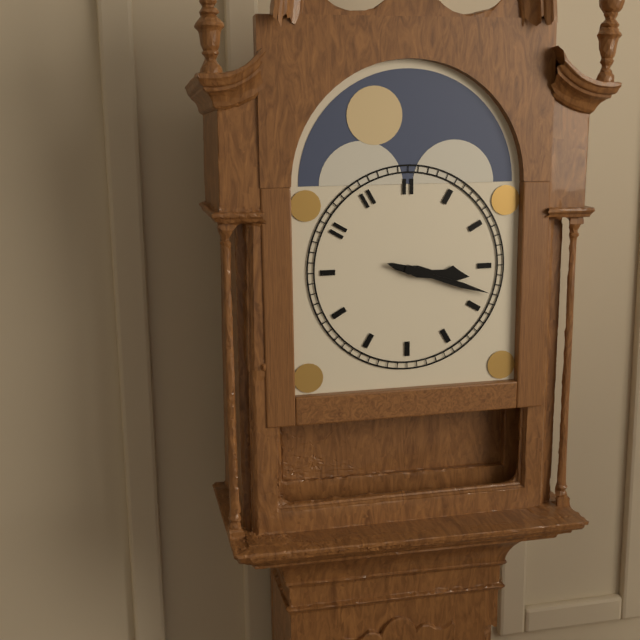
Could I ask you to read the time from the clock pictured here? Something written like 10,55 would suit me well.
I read 3,18
